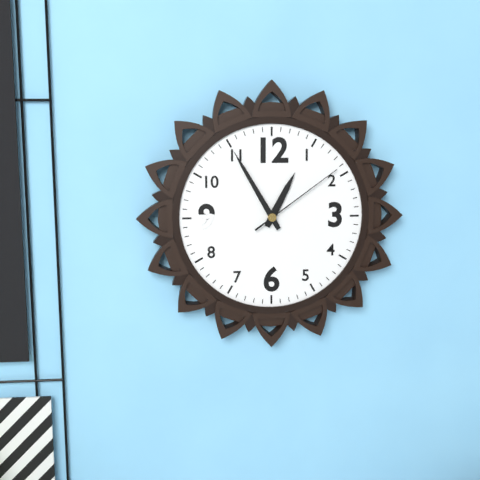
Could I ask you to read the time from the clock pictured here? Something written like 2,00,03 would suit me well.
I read 12,55,09
